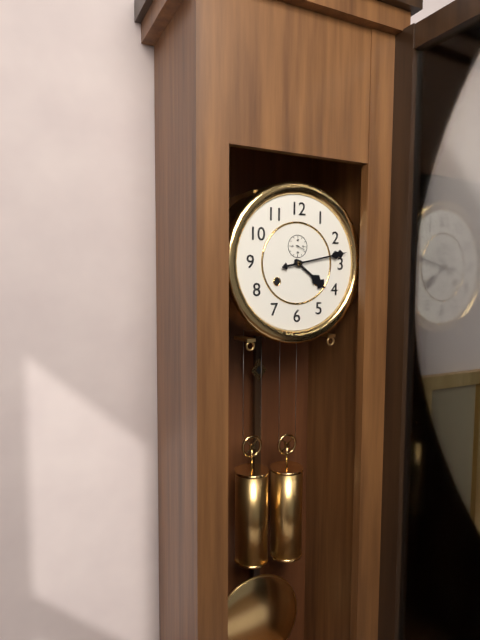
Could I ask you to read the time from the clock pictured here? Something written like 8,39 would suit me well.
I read 4,13
